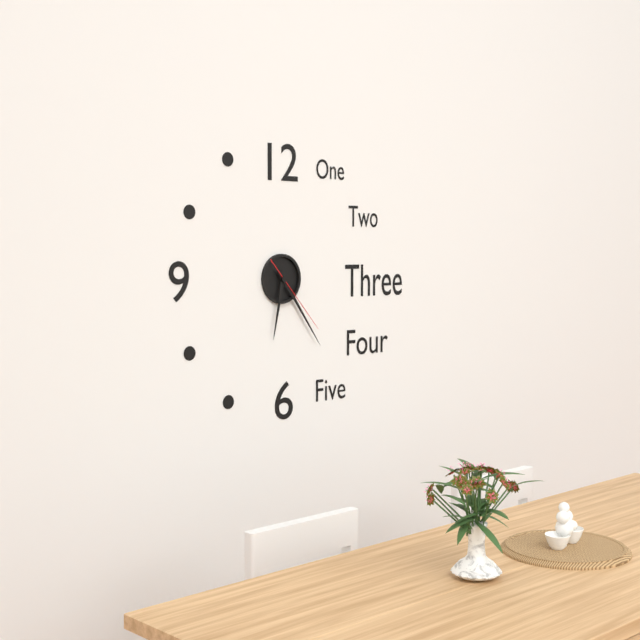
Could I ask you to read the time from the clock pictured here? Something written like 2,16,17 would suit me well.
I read 6,24,23
